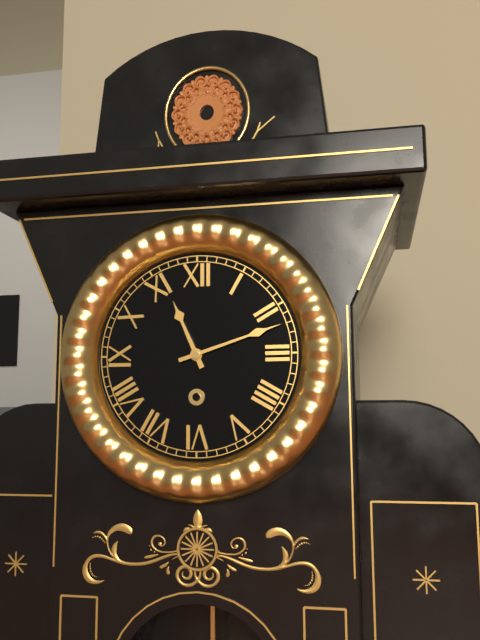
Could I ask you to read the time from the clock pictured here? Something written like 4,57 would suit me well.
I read 11,12
